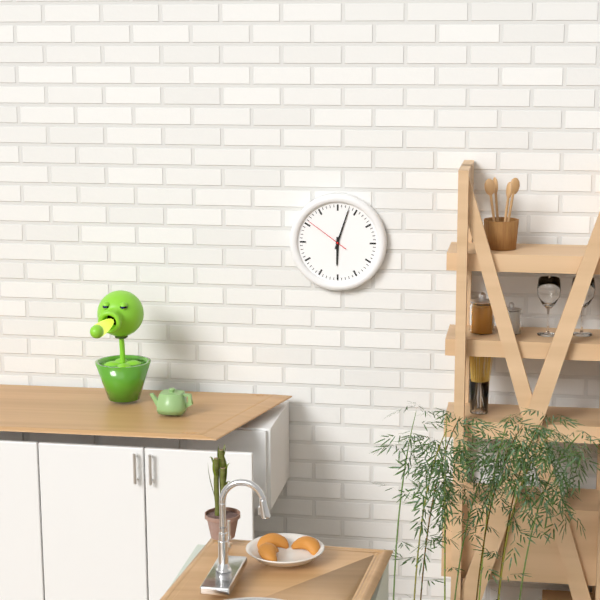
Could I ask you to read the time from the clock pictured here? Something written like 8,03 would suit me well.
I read 6,03
